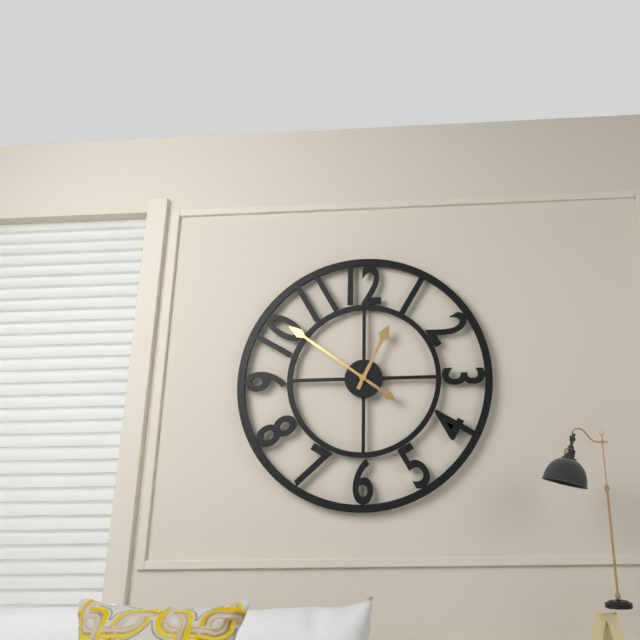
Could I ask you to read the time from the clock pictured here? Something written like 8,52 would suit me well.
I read 12,51
